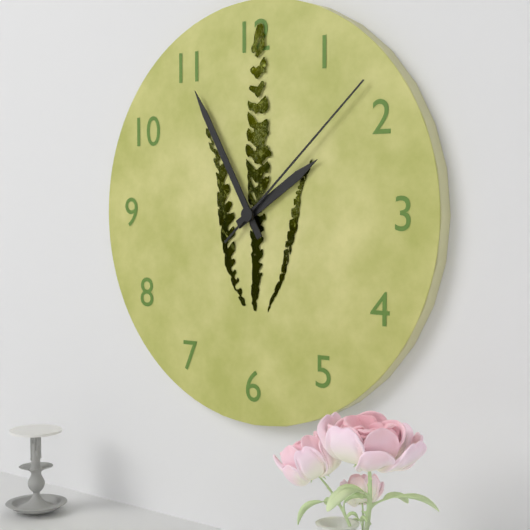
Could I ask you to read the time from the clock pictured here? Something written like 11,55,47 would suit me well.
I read 1,55,08
